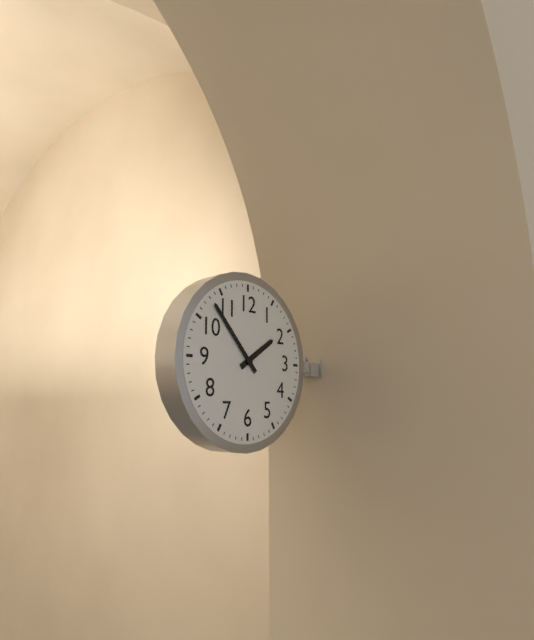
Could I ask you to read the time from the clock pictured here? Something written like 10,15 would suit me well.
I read 1,53
